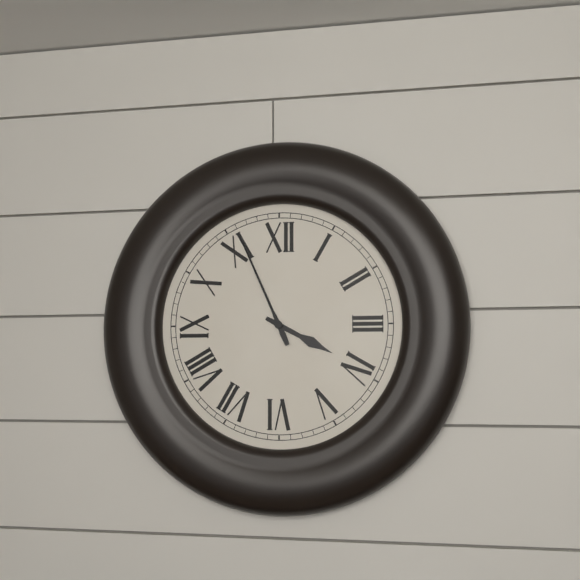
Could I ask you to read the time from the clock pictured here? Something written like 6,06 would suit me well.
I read 3,56
